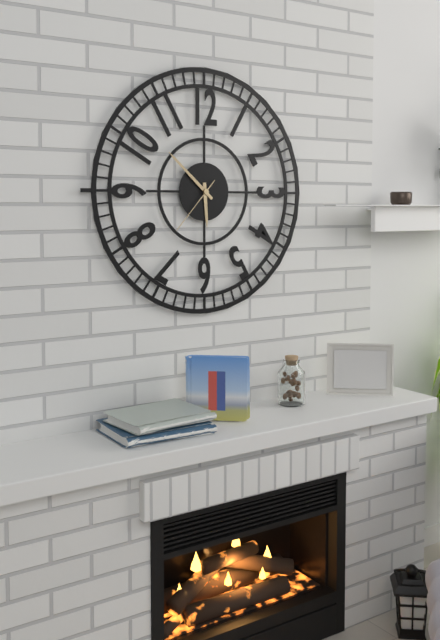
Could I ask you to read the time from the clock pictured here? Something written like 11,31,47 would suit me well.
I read 5,52,37
